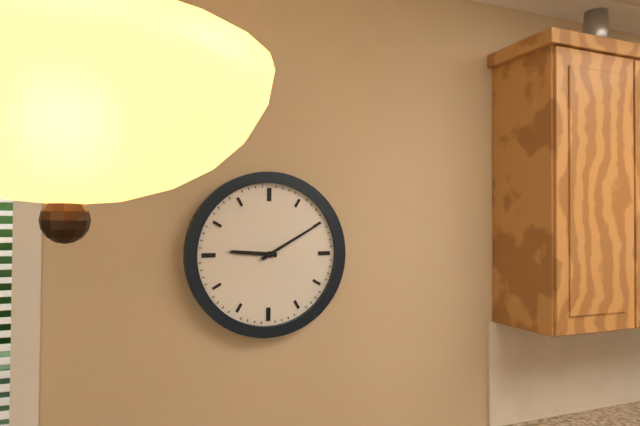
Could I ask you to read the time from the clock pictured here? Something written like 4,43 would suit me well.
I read 9,10
